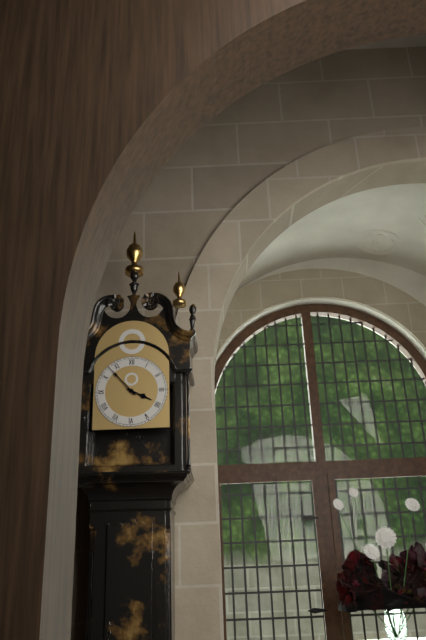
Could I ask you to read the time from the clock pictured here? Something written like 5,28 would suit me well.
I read 3,53
